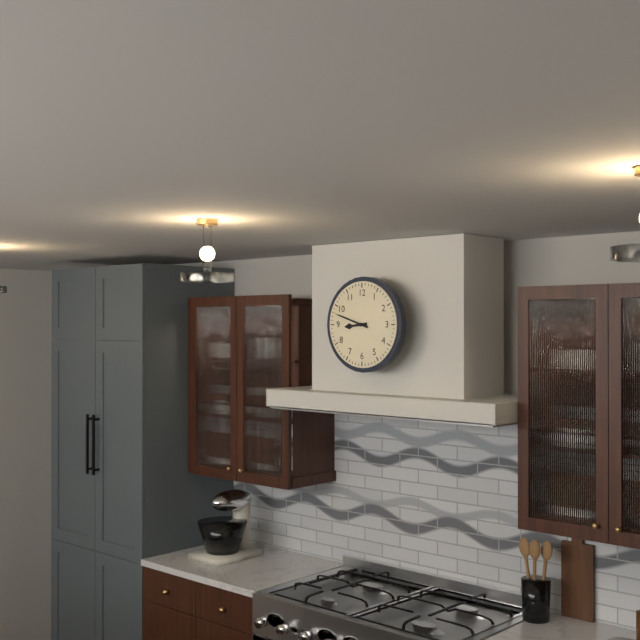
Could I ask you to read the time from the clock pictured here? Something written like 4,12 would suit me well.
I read 8,48
